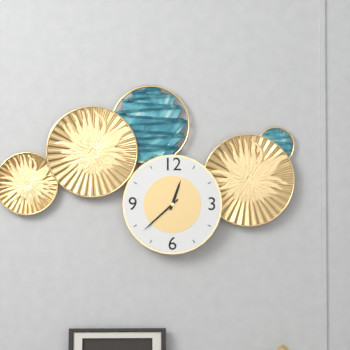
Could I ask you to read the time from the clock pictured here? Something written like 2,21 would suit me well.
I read 12,38
